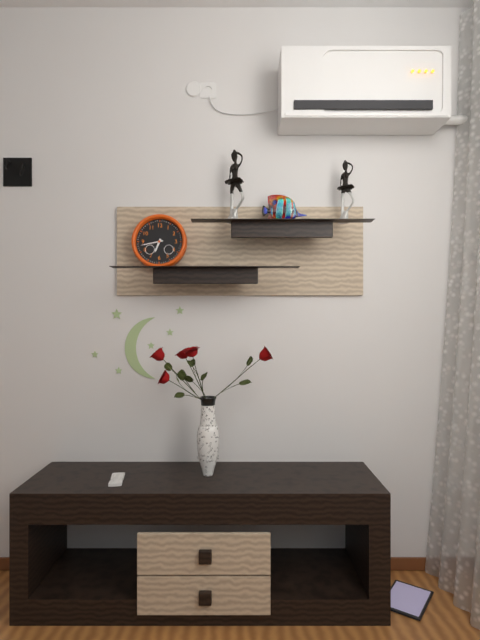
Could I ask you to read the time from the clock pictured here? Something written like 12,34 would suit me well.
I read 6,43
